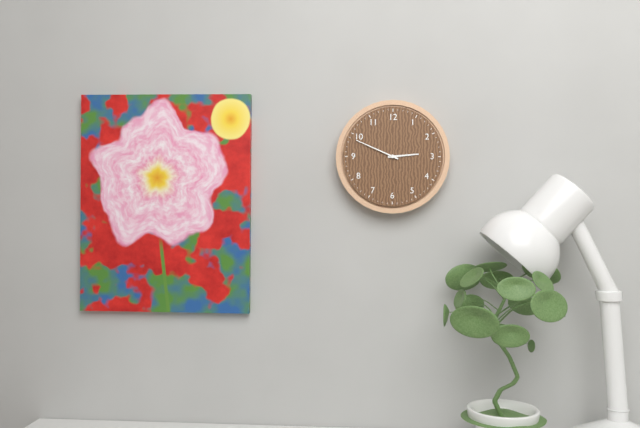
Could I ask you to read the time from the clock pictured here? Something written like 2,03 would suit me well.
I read 2,49
